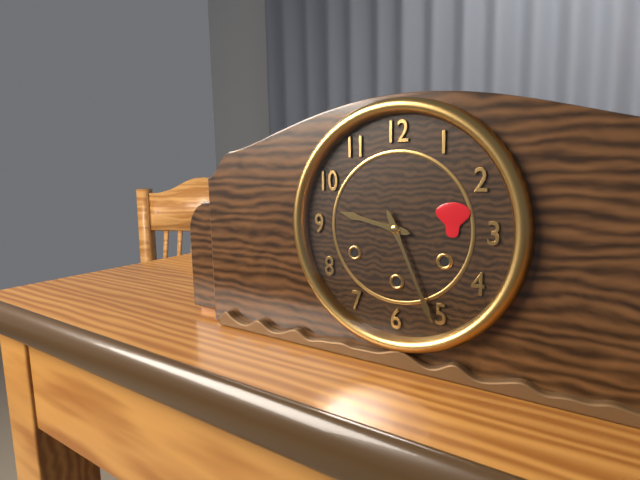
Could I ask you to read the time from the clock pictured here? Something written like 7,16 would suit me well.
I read 9,26
